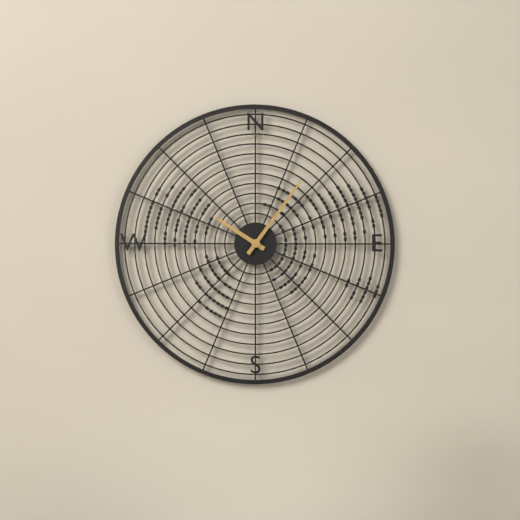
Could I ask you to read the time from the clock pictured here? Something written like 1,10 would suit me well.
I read 10,06
